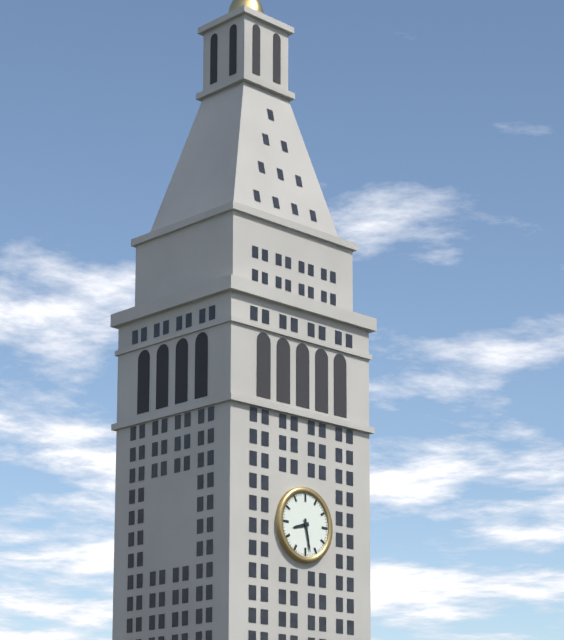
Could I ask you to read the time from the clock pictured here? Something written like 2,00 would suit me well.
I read 8,28
